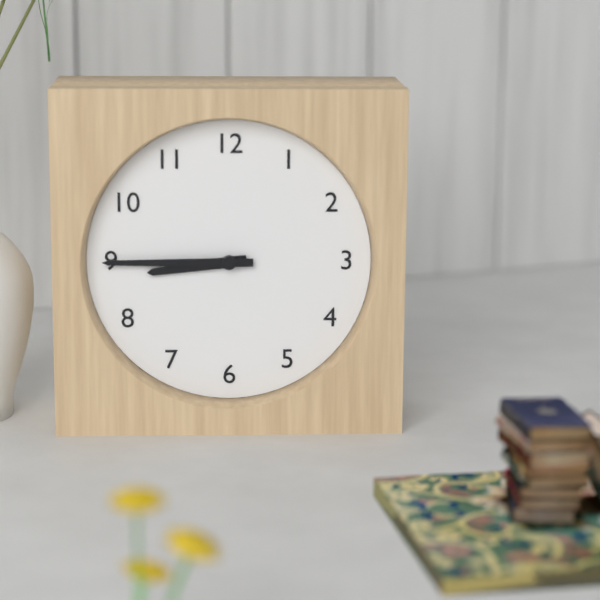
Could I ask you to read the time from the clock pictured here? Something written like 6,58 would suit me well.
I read 8,45
